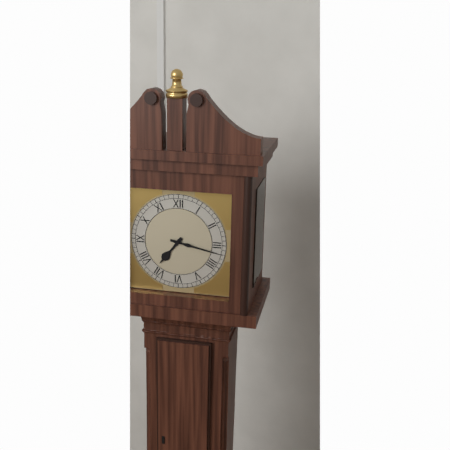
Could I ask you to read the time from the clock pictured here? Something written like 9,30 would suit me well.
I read 7,17
